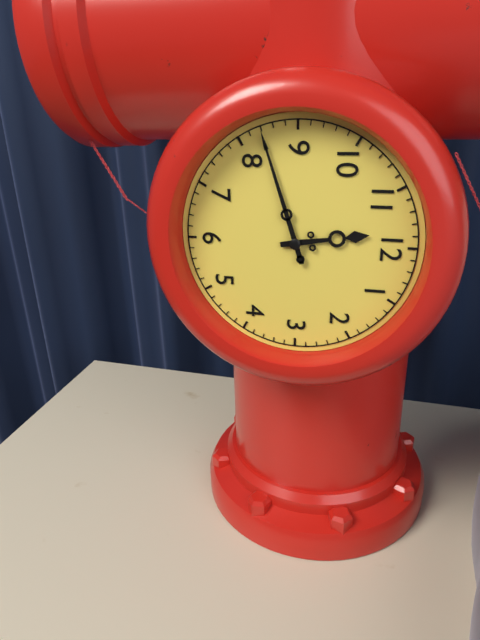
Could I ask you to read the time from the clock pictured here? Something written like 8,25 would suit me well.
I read 11,42
